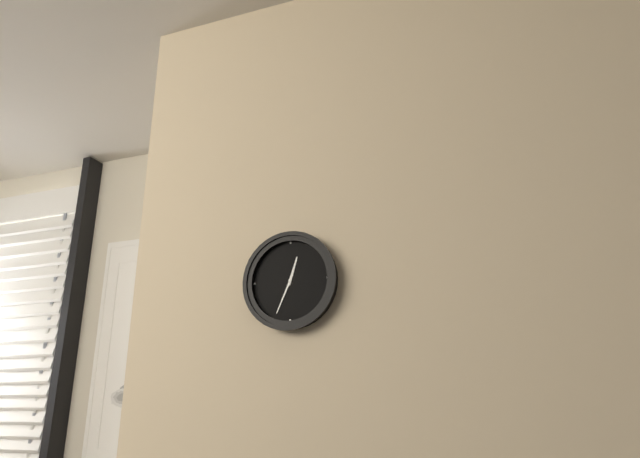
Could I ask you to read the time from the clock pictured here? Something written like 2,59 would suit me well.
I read 12,34
